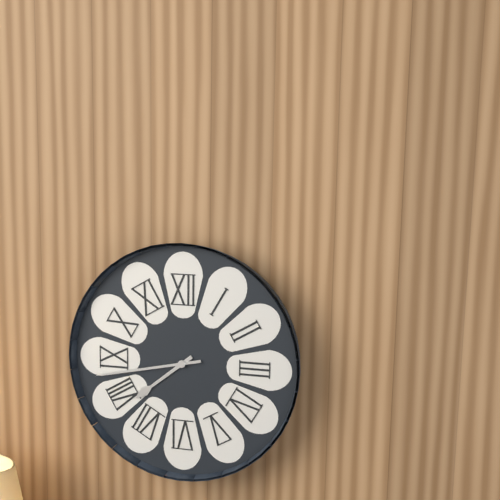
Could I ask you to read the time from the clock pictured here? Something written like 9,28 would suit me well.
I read 7,43
